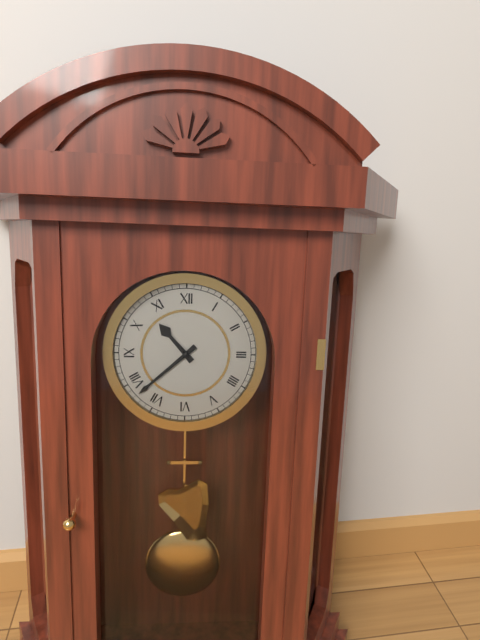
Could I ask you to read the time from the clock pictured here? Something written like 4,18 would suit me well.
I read 10,38
